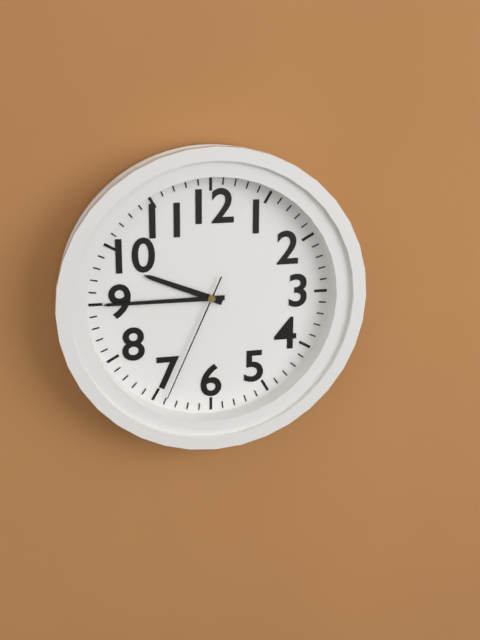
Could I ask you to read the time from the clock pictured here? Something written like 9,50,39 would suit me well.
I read 9,45,34
